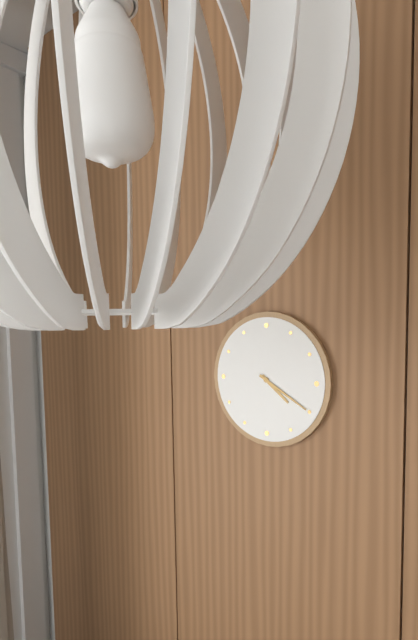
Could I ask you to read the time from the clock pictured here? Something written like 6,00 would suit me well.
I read 4,20
